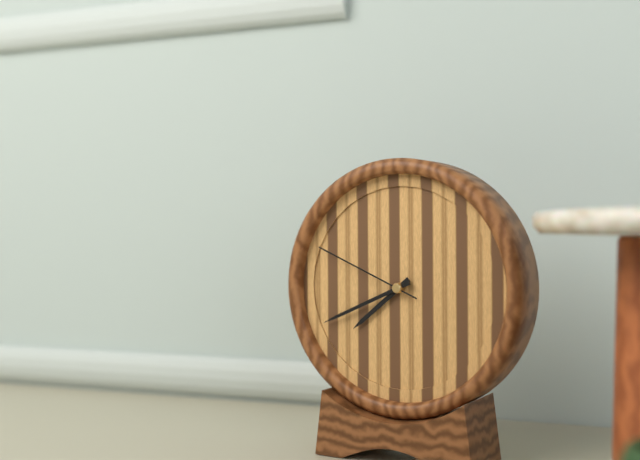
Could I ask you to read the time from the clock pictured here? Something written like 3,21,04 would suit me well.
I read 7,41,49
